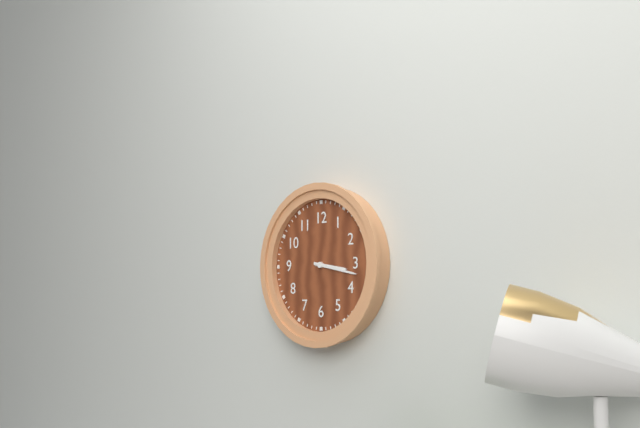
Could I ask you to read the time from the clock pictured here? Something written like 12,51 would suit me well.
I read 3,17
